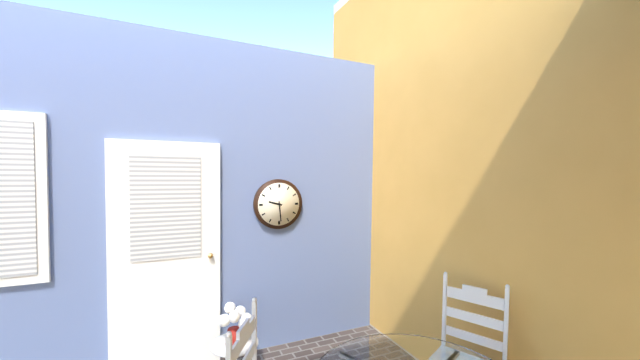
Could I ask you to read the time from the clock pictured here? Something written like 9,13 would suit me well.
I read 9,29
